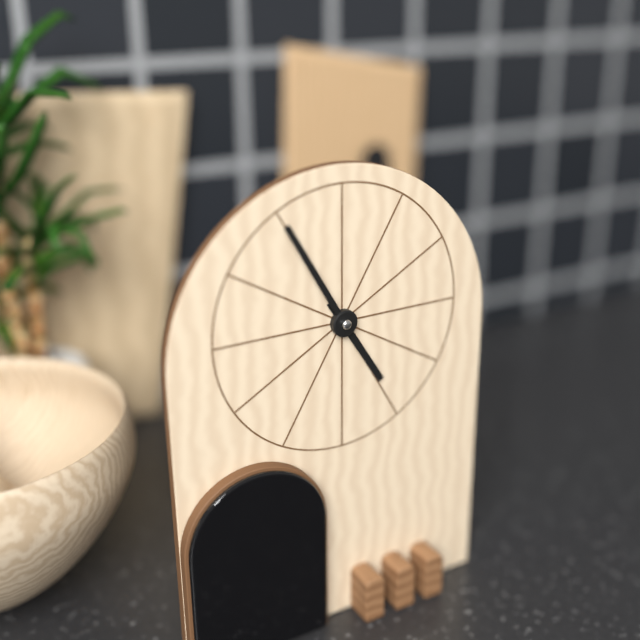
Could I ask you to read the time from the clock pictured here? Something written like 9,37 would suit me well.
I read 4,55
